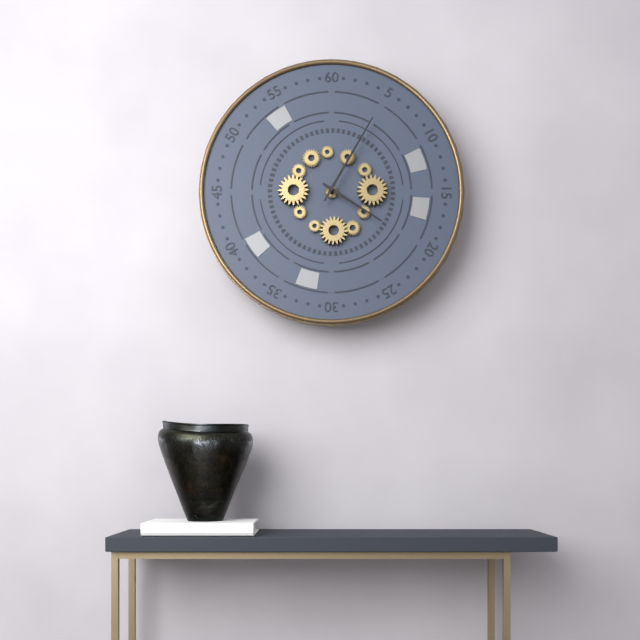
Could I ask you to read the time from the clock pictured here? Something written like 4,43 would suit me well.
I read 4,05
